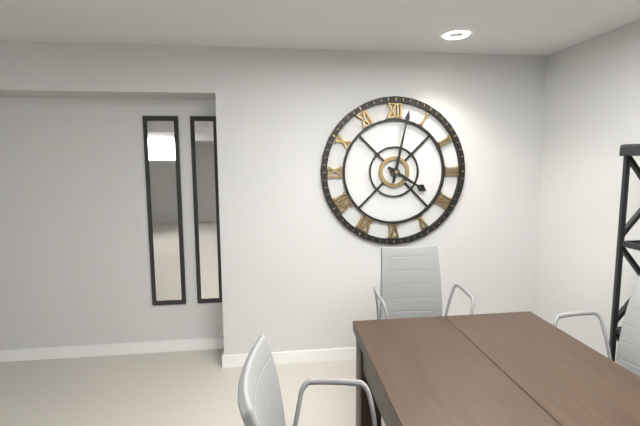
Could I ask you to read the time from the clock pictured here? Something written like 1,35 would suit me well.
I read 4,02
